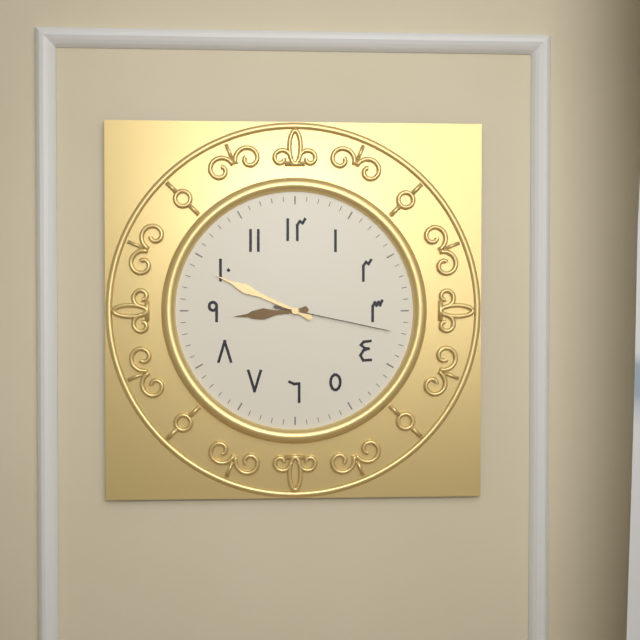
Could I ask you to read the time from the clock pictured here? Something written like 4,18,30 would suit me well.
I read 8,49,17
